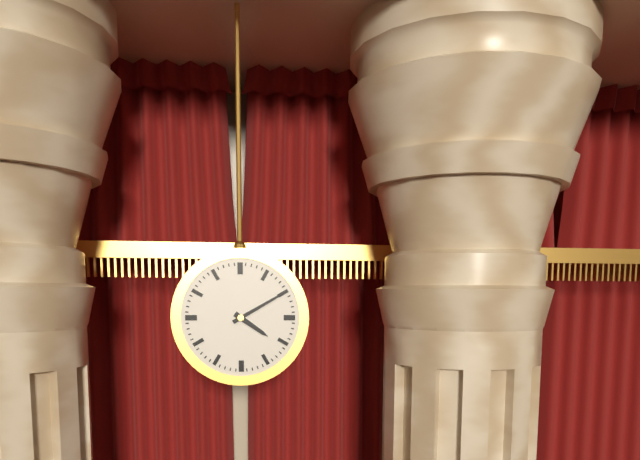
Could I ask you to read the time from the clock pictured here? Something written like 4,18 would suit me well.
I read 4,10
